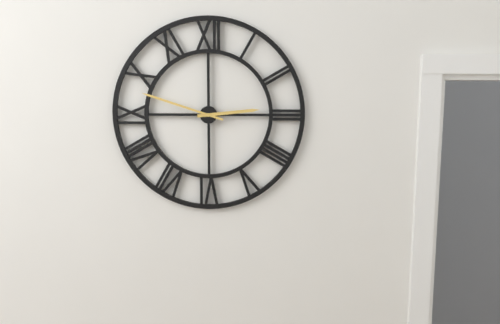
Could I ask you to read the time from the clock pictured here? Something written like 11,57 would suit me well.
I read 2,48
